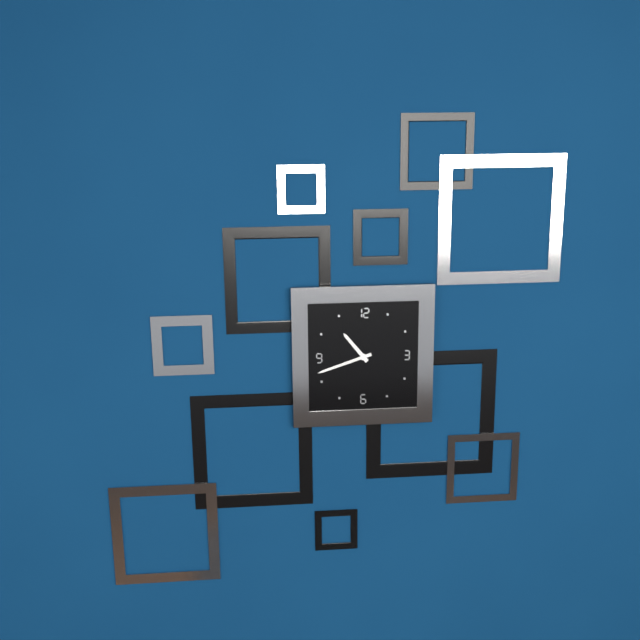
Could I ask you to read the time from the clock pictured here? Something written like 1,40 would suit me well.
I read 10,42
